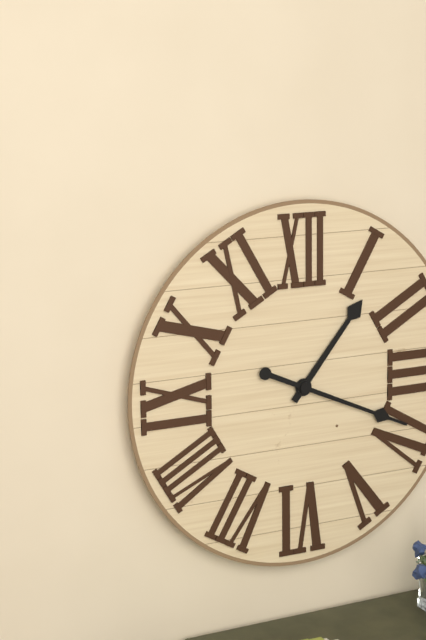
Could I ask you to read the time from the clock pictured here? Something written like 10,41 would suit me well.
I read 1,19
